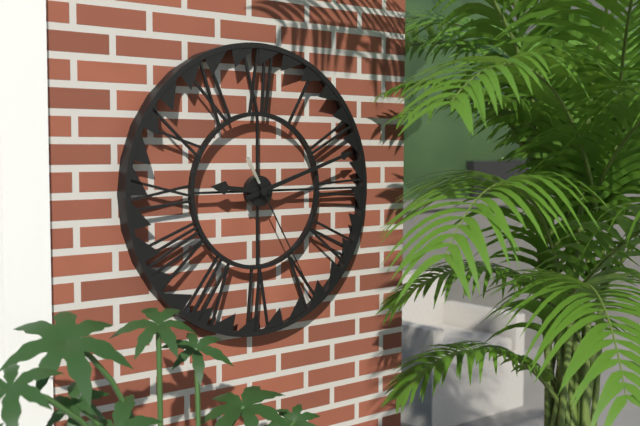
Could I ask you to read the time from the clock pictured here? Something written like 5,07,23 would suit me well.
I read 9,12,25
